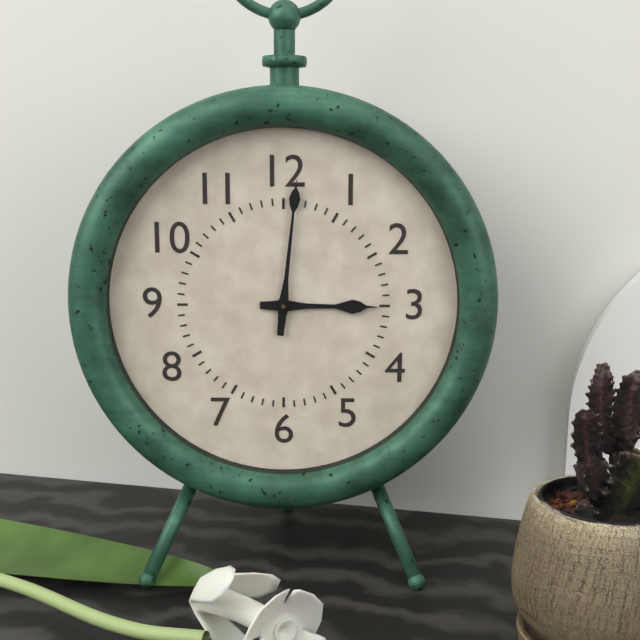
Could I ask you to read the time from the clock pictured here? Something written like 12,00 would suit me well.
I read 3,01
